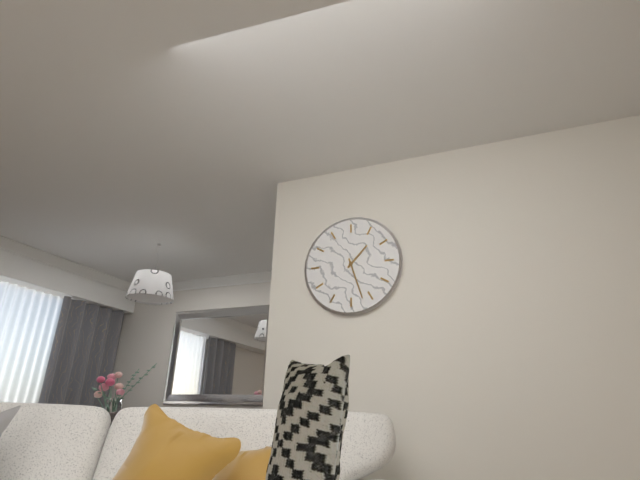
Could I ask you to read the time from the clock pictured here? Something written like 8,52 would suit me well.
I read 1,27
